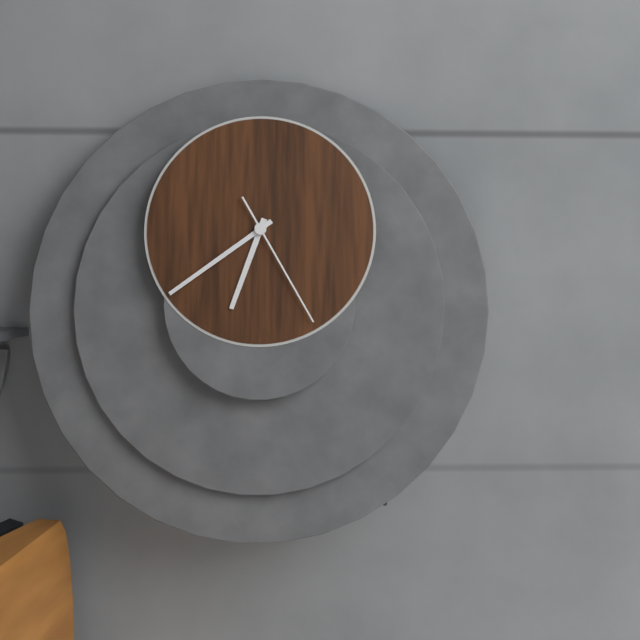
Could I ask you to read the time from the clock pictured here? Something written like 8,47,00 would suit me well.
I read 6,39,25
